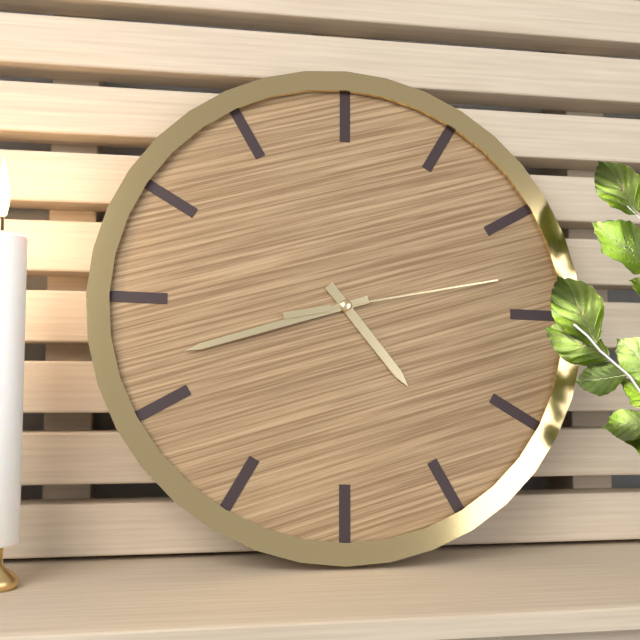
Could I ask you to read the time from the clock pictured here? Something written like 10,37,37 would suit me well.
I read 4,42,13
